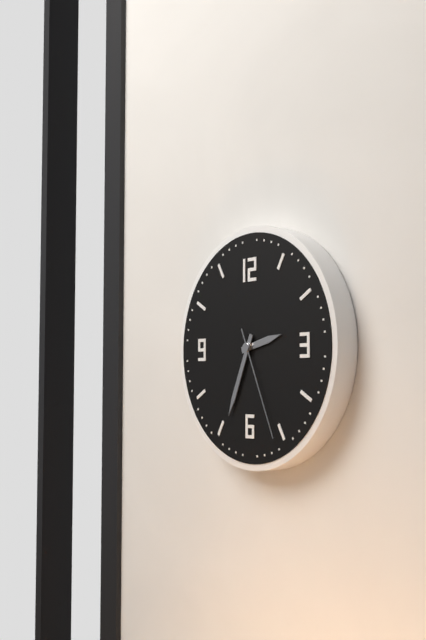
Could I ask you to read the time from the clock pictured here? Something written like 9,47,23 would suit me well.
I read 2,34,26
